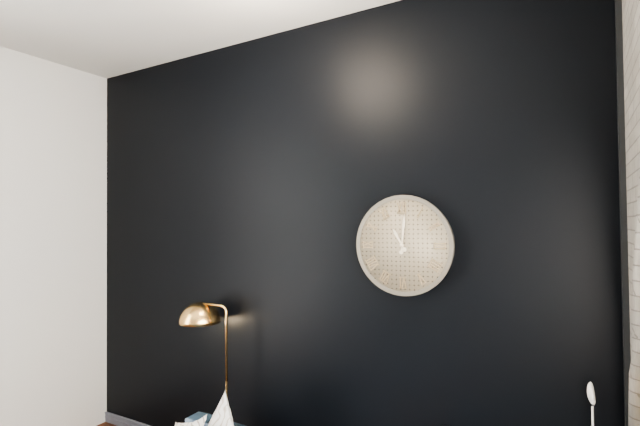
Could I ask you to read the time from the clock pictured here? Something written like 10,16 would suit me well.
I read 11,01
